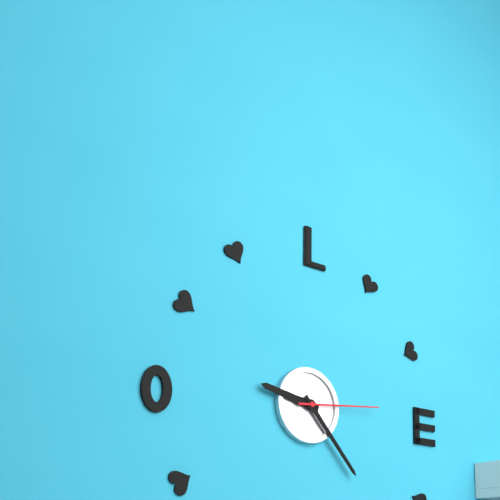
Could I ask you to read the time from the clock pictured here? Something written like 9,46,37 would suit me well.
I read 9,23,14
